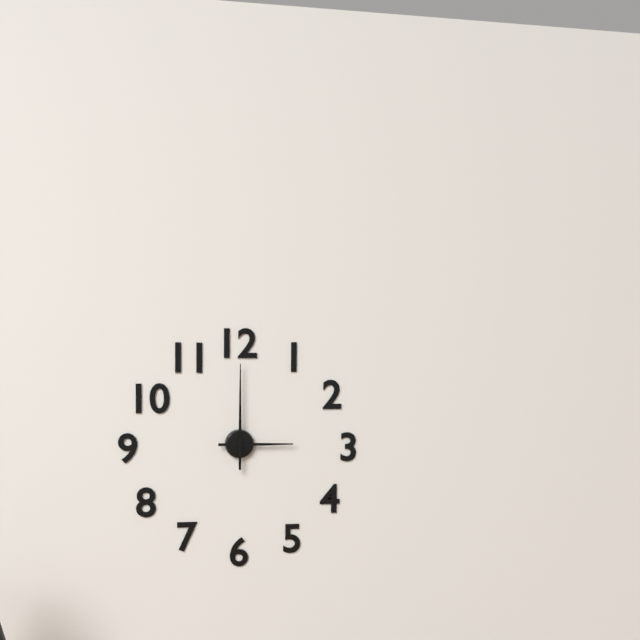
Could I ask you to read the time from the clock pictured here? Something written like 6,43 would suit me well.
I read 3,00
